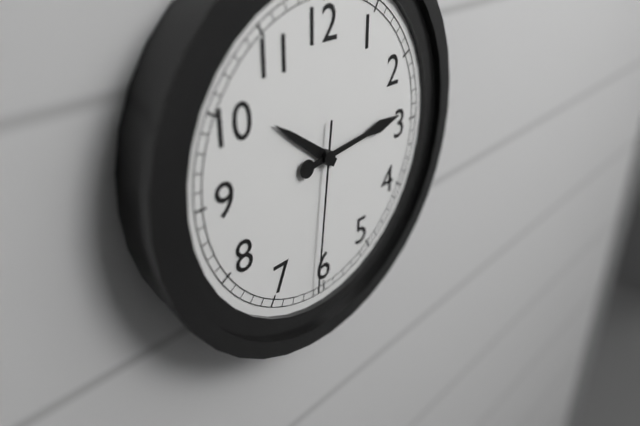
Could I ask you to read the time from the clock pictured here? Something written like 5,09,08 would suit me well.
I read 10,14,31
